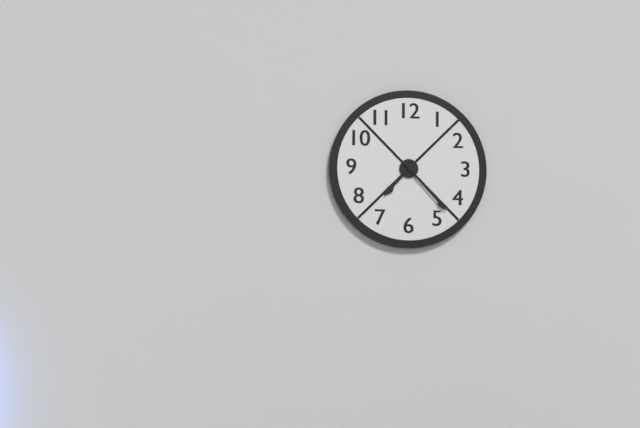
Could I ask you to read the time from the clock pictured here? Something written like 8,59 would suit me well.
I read 7,23
